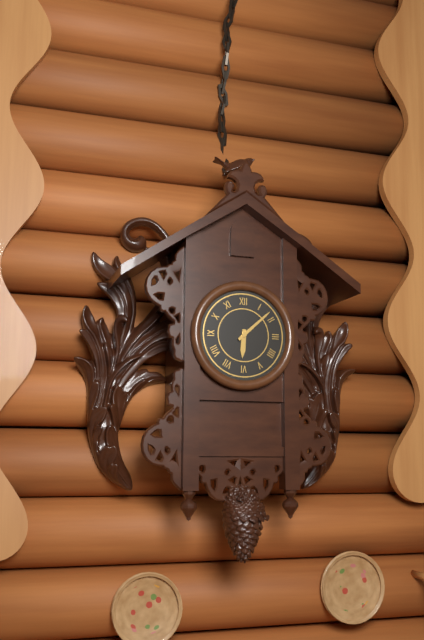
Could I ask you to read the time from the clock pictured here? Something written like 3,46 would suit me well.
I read 6,08
